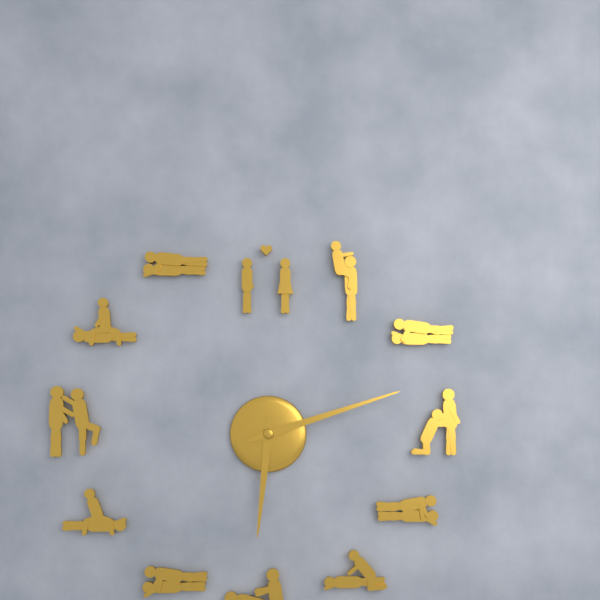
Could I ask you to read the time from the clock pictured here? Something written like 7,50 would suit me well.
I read 6,12
